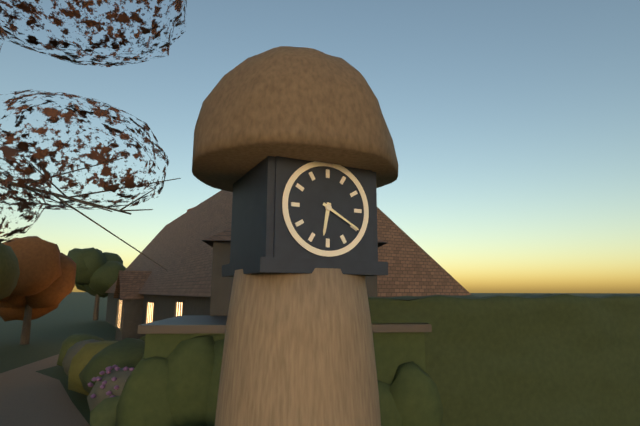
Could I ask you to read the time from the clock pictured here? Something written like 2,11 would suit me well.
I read 6,20
